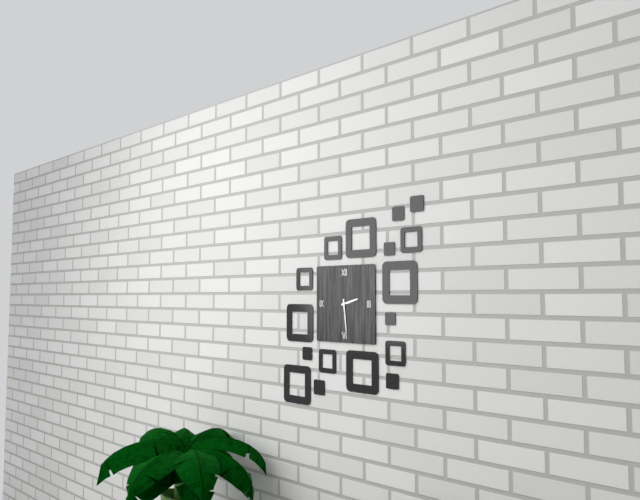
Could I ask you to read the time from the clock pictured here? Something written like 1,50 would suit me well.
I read 2,29
